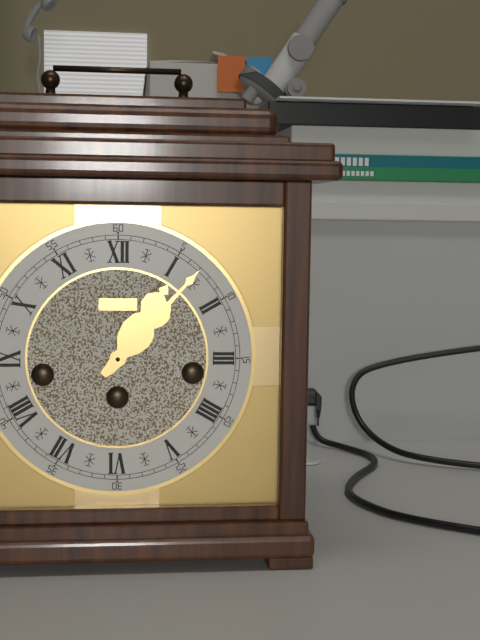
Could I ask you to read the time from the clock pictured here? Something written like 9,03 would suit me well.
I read 1,07
